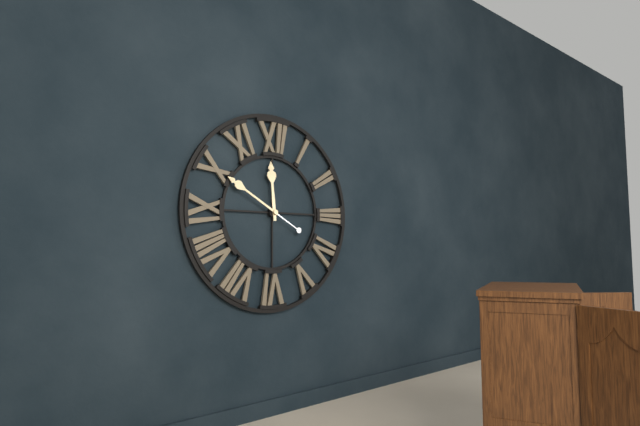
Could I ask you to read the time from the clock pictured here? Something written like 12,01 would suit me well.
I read 11,50
